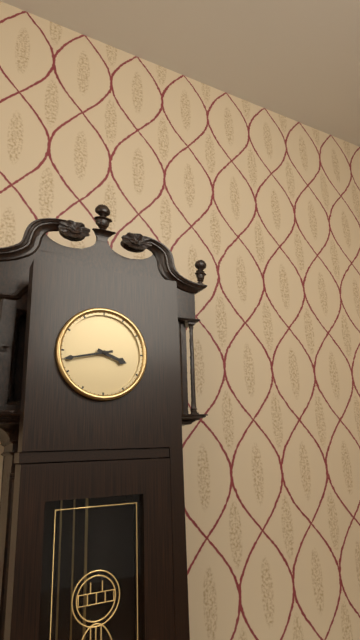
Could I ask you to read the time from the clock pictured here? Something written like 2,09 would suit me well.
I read 3,43
